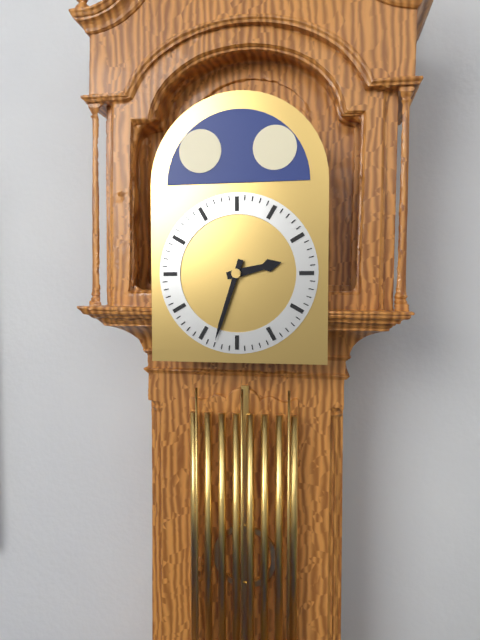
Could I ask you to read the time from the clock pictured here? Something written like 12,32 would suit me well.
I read 2,33
